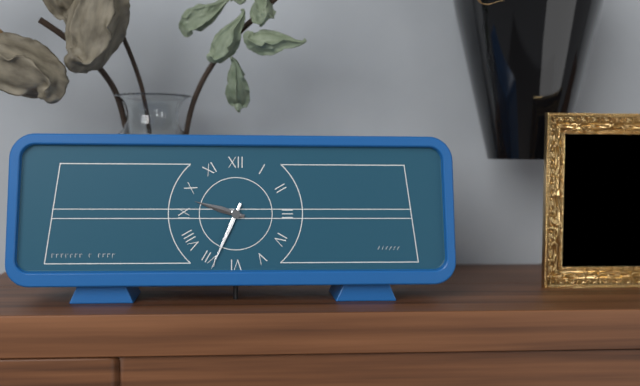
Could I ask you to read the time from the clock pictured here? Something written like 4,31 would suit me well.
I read 9,34
